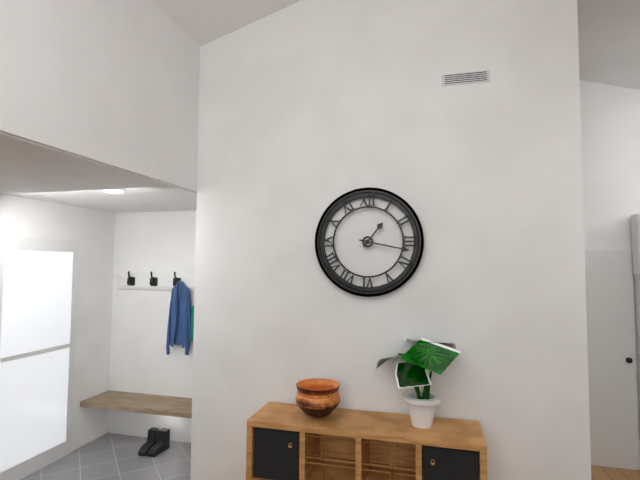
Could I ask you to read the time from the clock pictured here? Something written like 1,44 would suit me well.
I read 1,17
